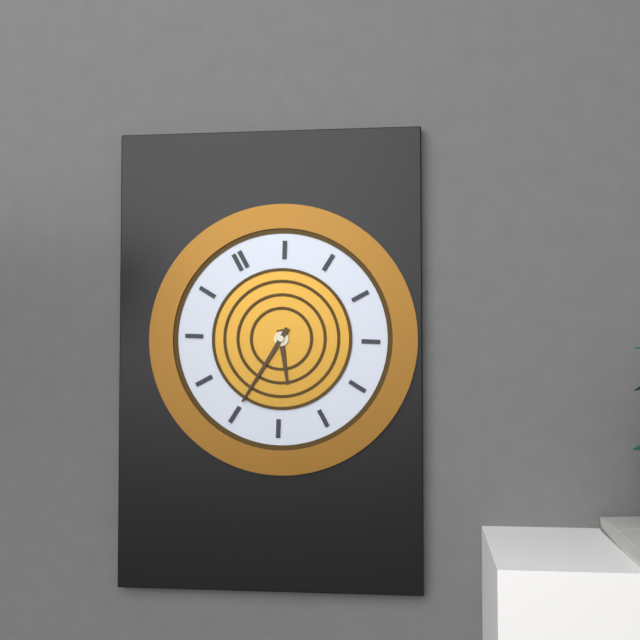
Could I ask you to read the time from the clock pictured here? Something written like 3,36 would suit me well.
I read 6,40
